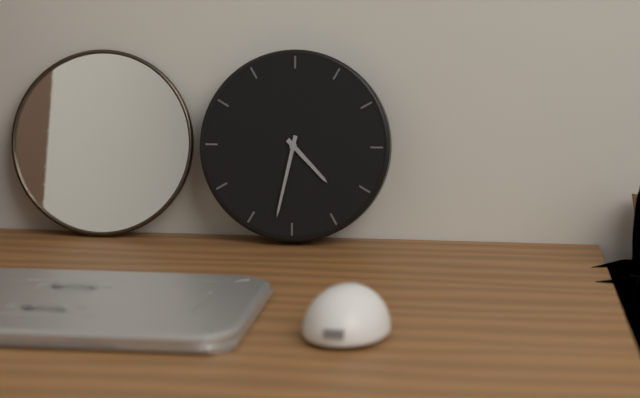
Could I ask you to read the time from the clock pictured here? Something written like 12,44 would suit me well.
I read 4,32
